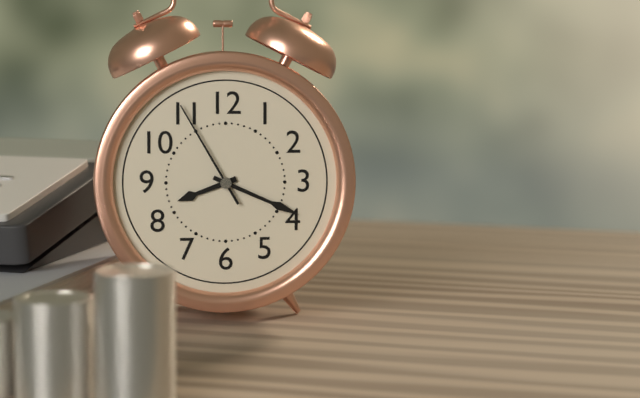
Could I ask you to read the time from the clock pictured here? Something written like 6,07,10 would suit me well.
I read 8,19,55
